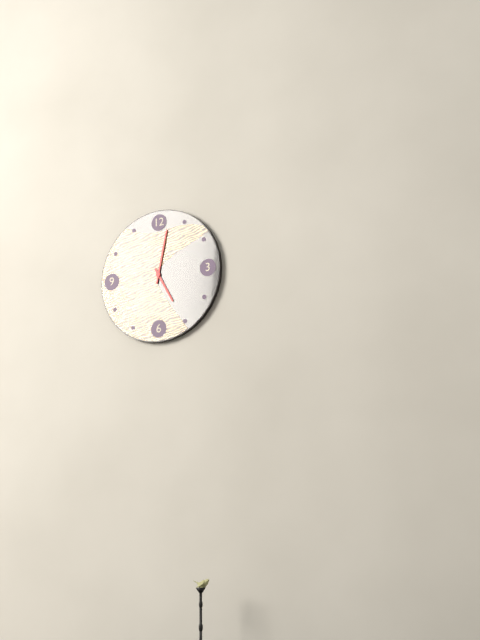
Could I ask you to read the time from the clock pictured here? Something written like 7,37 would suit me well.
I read 5,02
